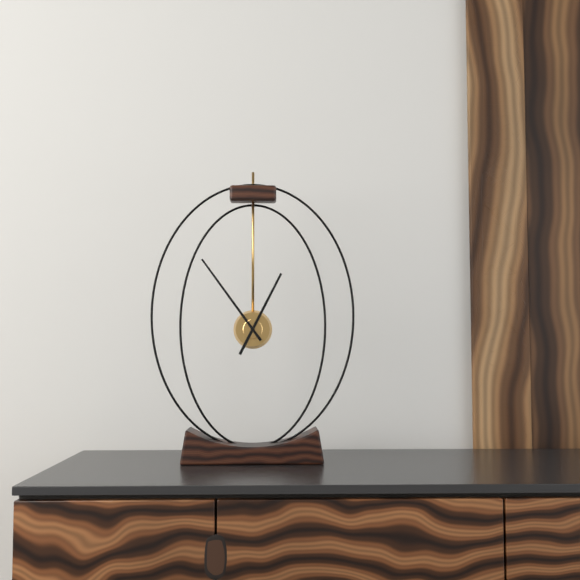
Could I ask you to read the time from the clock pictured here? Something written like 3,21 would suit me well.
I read 12,54
